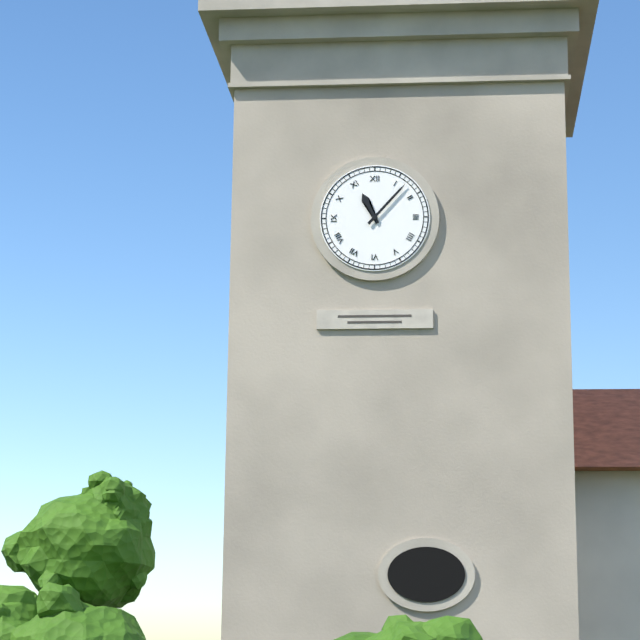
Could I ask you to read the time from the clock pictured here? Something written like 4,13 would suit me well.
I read 11,07
